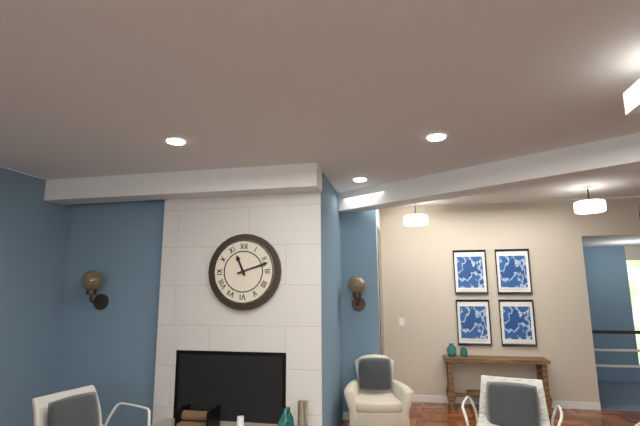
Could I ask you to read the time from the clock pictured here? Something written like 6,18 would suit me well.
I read 11,12
